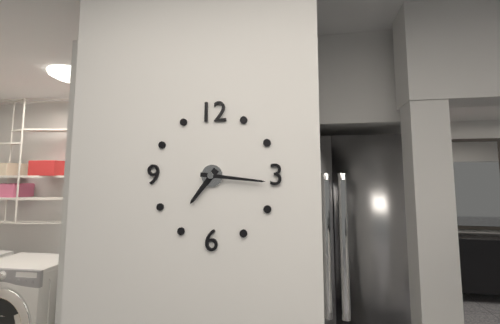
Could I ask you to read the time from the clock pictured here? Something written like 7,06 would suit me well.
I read 7,16
